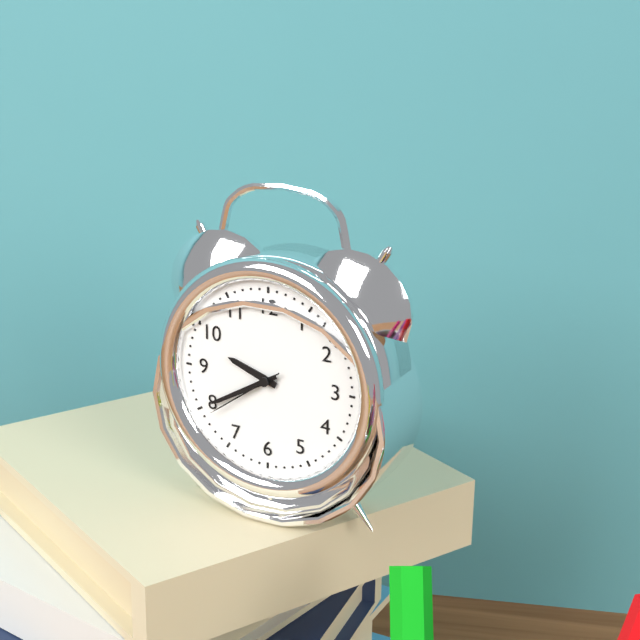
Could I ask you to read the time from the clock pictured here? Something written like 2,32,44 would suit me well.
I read 9,40,39
